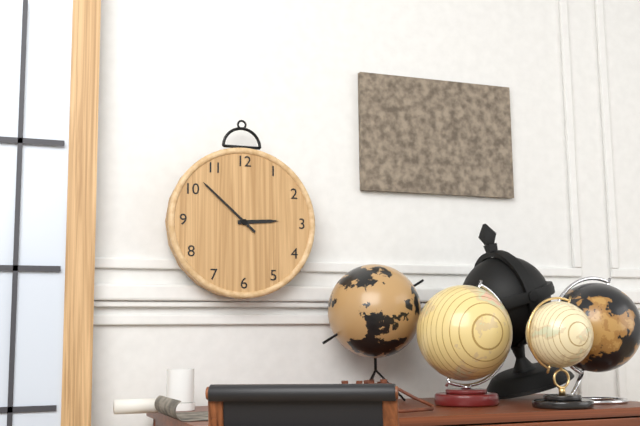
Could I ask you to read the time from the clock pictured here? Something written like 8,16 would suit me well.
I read 2,52
